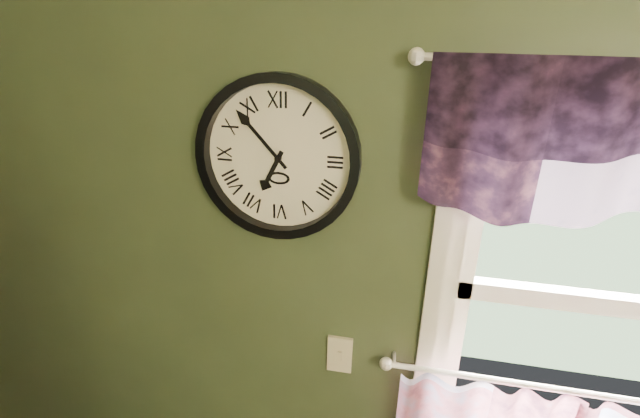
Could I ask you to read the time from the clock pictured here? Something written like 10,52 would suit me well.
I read 6,53
